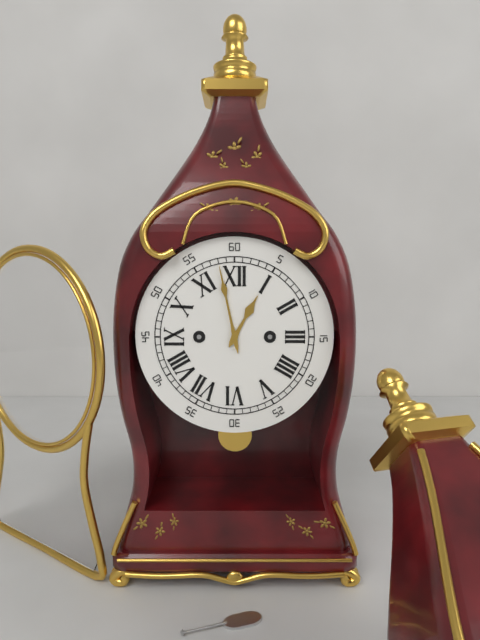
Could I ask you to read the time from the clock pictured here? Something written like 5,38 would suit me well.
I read 12,58
